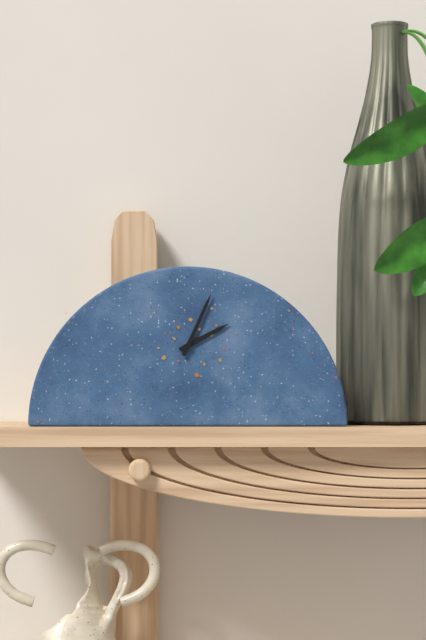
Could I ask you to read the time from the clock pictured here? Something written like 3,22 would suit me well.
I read 2,04
